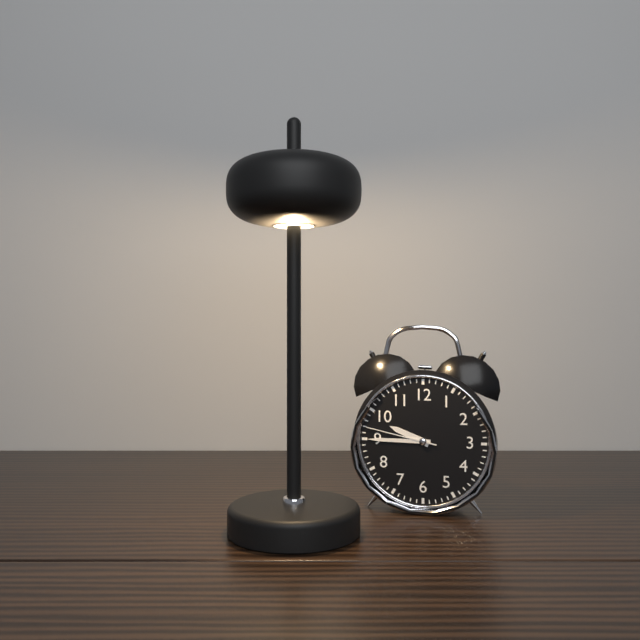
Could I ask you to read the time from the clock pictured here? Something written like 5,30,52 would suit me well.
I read 9,45,47
